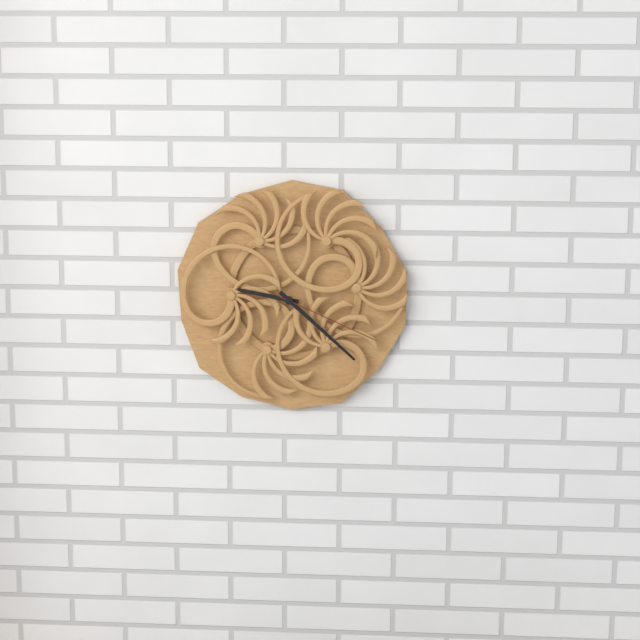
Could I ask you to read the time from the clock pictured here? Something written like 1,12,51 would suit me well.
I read 9,22,19
